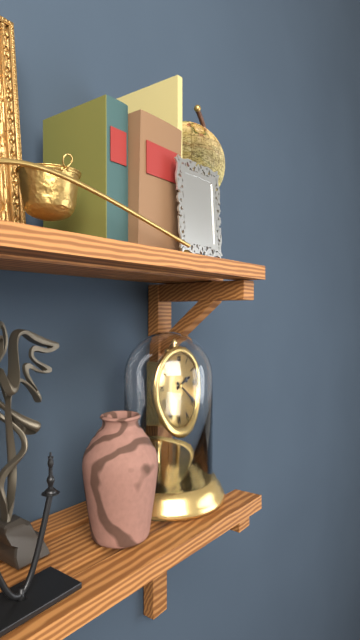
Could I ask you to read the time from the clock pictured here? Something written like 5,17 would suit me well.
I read 2,20
